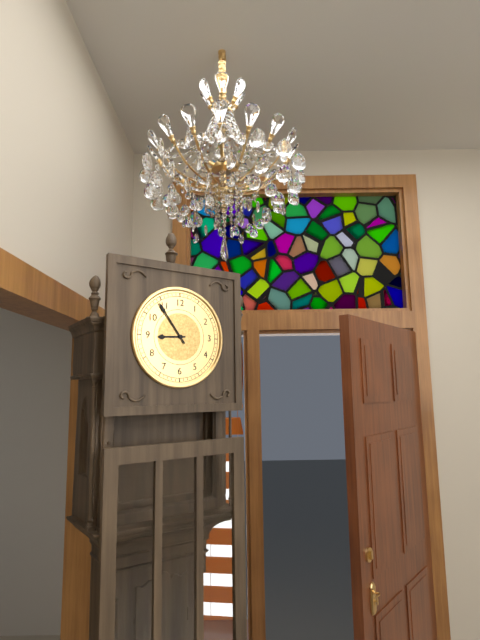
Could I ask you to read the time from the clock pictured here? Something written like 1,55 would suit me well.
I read 8,54
